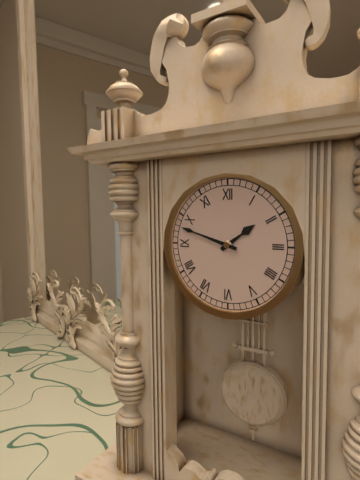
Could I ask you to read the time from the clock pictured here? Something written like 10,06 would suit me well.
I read 1,48
